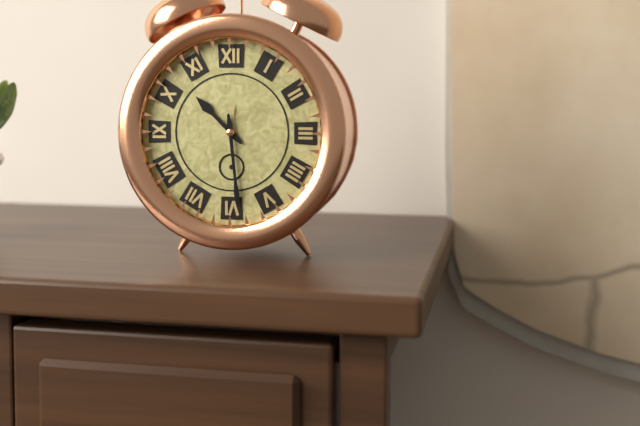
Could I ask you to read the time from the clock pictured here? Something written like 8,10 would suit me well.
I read 10,29
